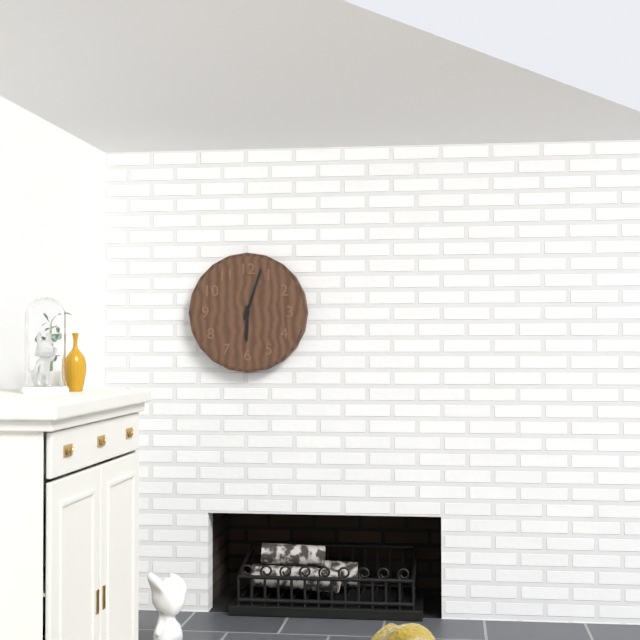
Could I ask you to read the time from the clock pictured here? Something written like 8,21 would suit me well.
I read 6,03
